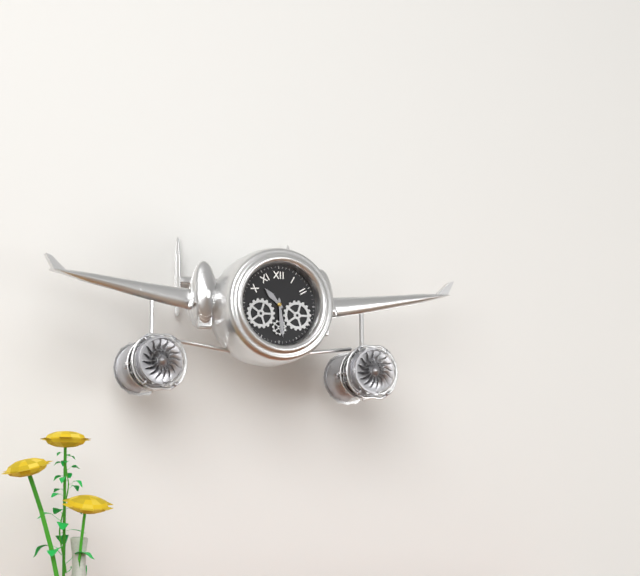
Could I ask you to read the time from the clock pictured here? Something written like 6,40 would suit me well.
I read 10,29
